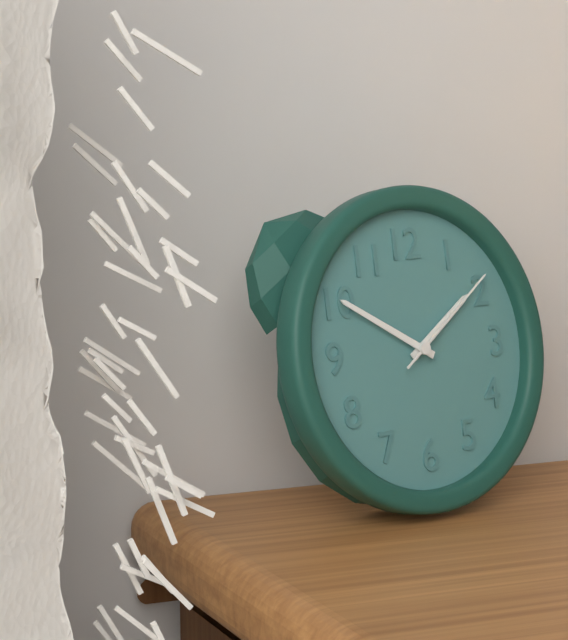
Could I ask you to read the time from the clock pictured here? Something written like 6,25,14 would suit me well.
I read 1,50,09
